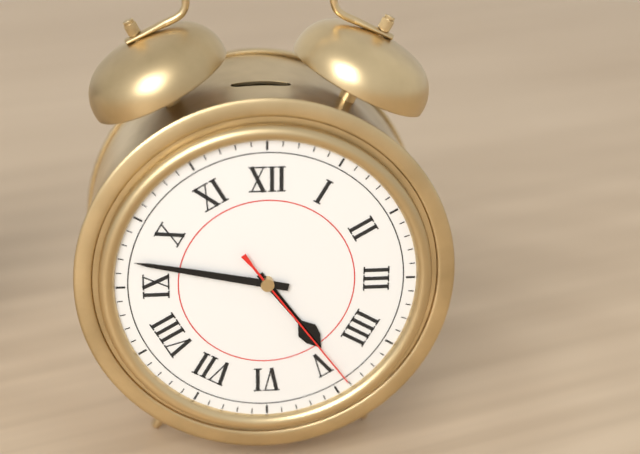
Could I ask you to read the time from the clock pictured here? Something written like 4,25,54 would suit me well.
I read 4,47,24
